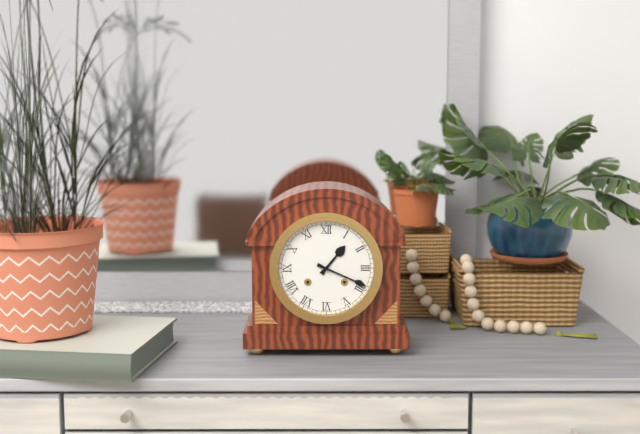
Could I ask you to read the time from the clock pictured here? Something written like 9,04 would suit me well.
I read 1,19
